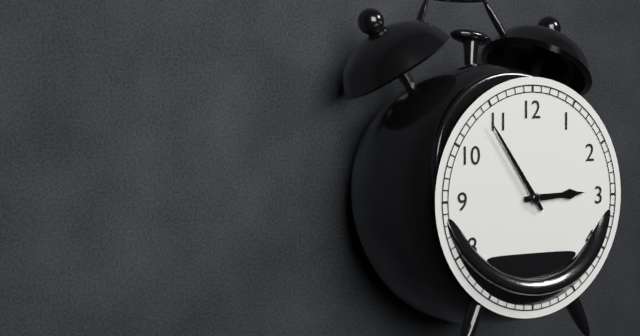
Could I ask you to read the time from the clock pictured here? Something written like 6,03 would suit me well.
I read 2,54
